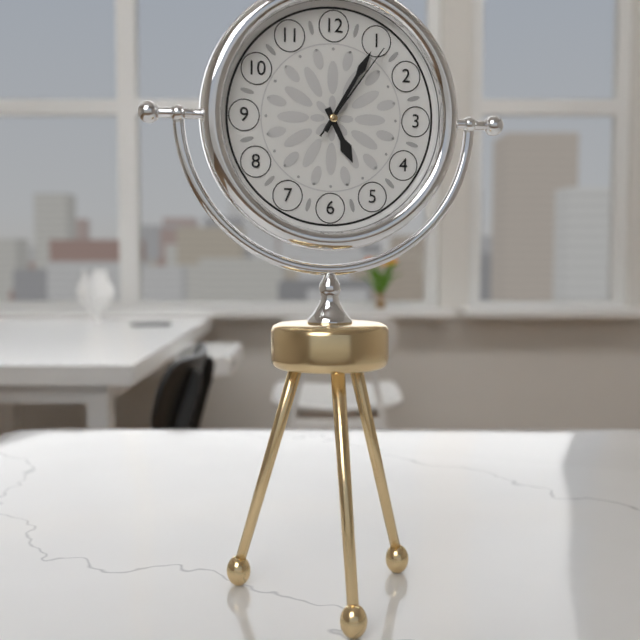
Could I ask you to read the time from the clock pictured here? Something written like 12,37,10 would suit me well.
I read 5,05,06
